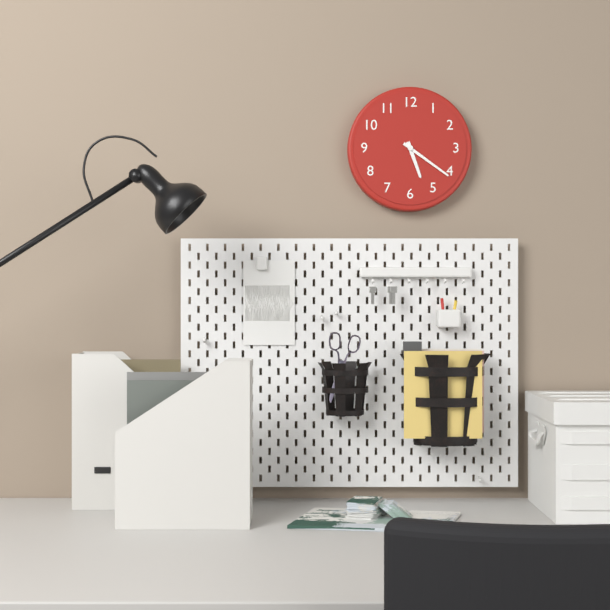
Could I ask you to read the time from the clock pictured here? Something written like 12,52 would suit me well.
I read 5,21
